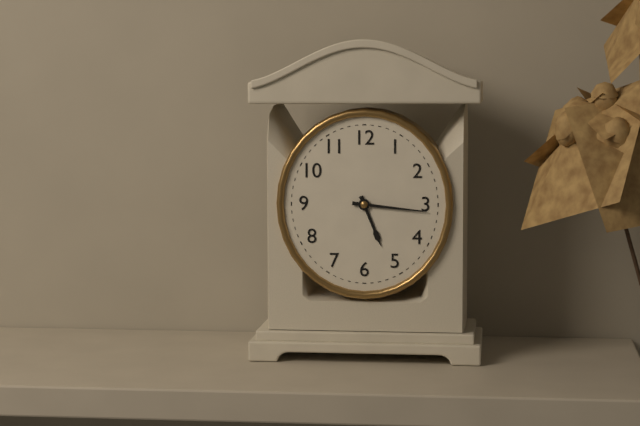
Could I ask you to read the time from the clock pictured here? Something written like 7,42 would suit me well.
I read 5,16
